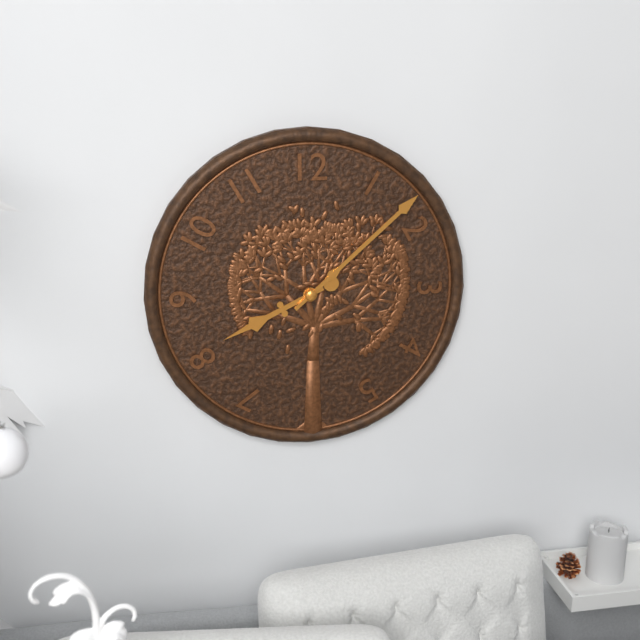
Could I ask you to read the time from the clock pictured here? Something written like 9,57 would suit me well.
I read 8,08
